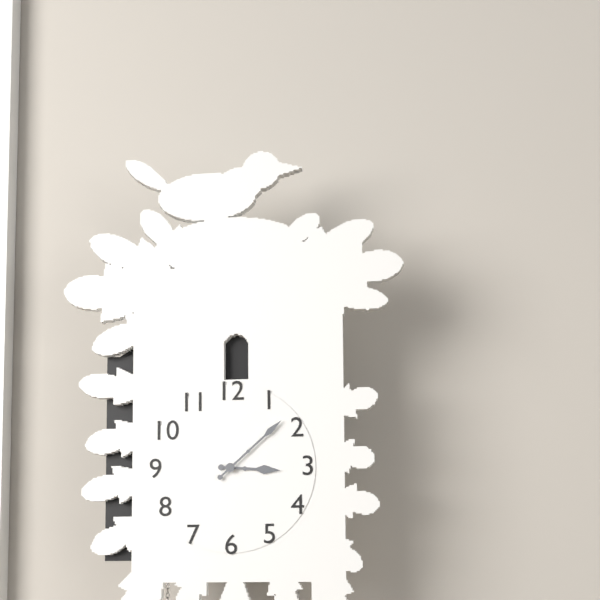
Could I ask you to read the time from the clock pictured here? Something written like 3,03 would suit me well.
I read 3,08
